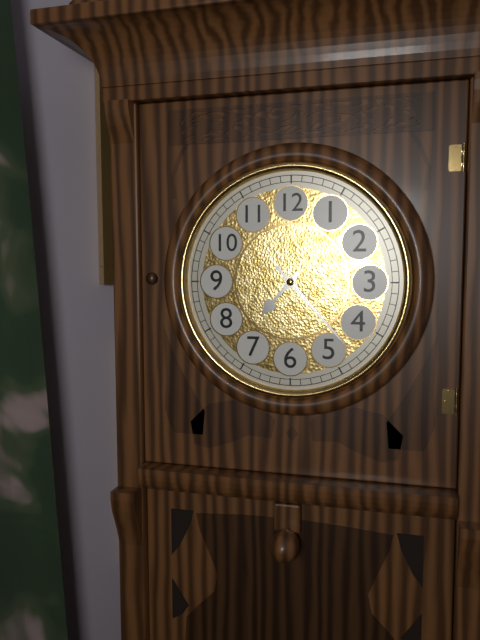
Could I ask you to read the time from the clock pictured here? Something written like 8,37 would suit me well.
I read 7,23
